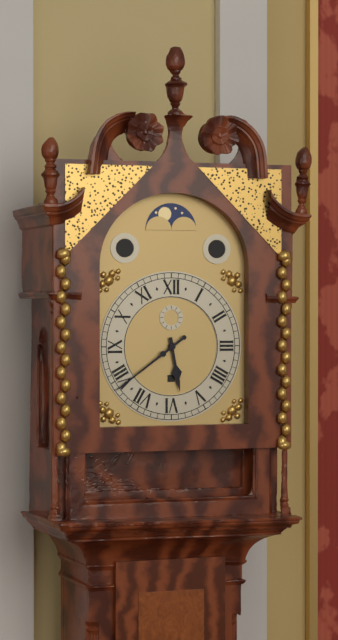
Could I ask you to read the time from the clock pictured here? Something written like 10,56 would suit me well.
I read 5,39
